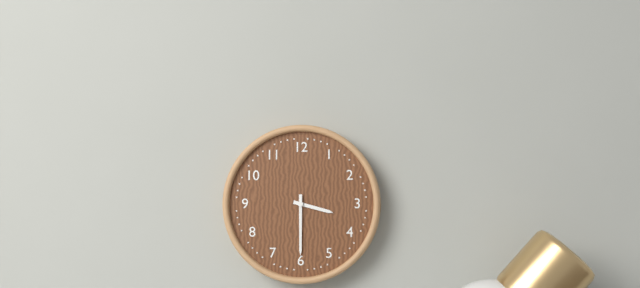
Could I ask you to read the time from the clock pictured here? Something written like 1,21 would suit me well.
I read 3,30
